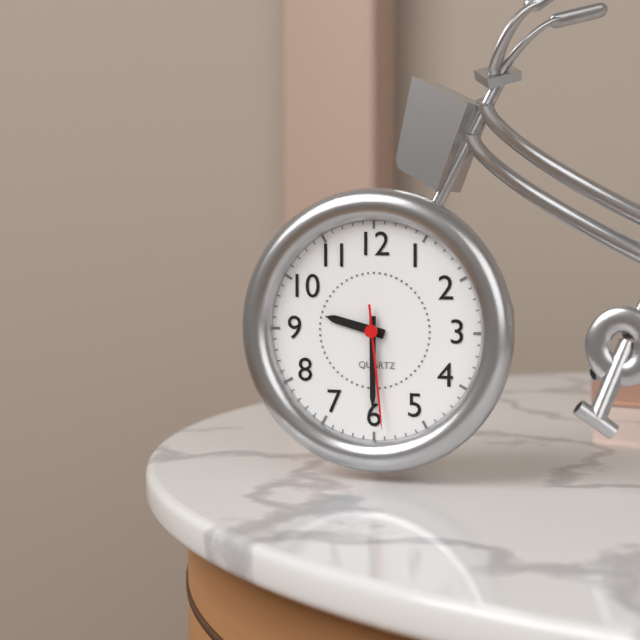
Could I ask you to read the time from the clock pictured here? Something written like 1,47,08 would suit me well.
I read 9,30,29
